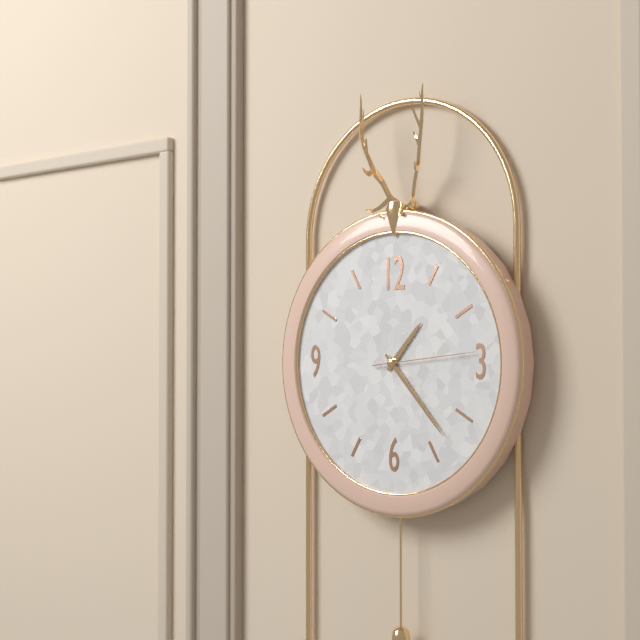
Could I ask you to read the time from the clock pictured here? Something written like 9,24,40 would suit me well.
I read 1,23,14
